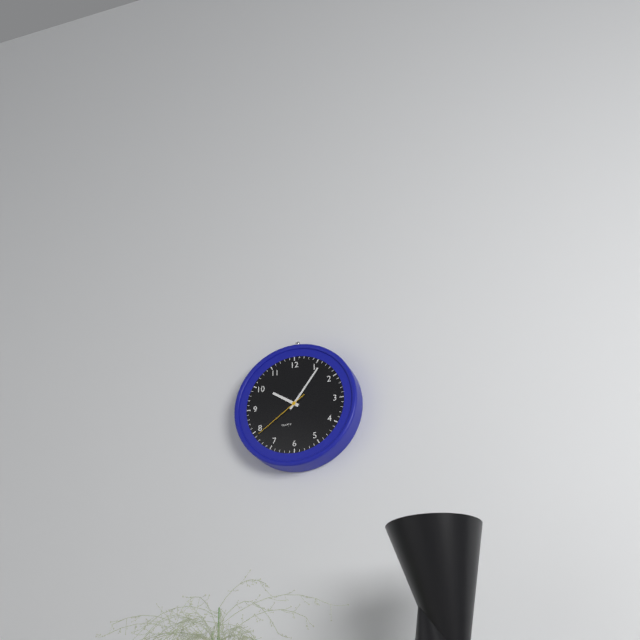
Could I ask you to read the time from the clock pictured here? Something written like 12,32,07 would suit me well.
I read 10,06,39
